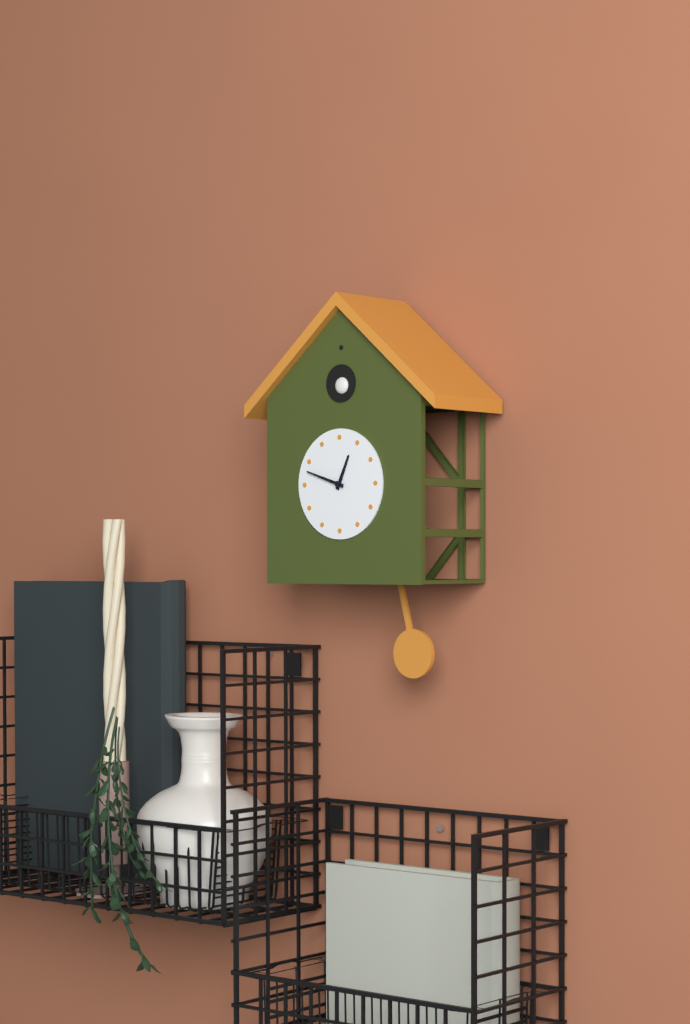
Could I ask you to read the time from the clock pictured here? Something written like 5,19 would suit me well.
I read 12,48
